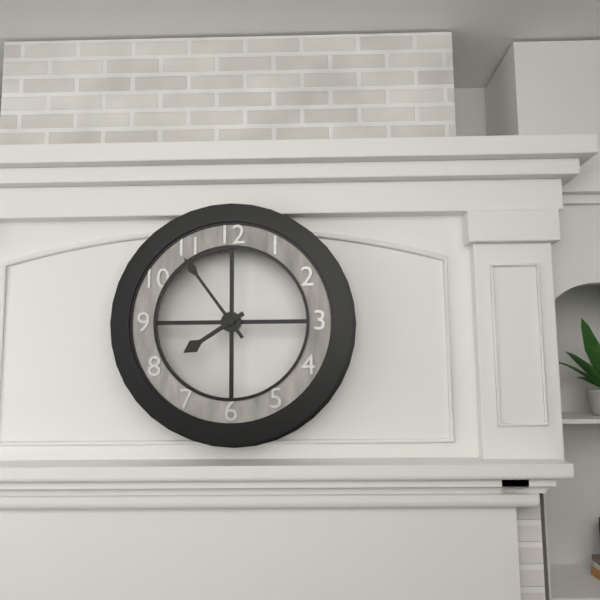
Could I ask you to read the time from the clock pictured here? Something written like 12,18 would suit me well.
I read 7,54
